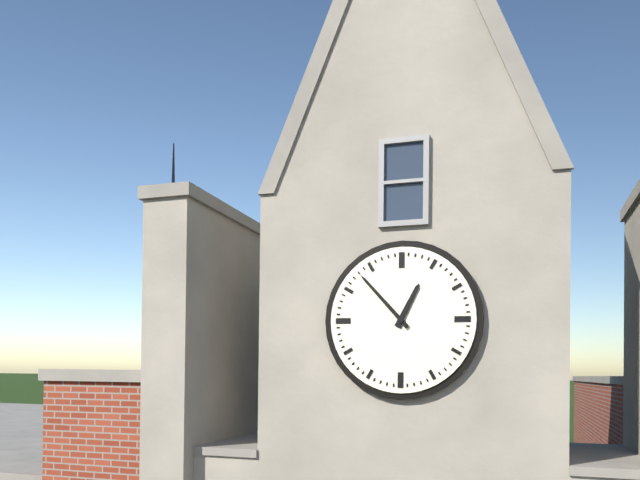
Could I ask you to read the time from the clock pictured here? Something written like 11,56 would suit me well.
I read 12,53
